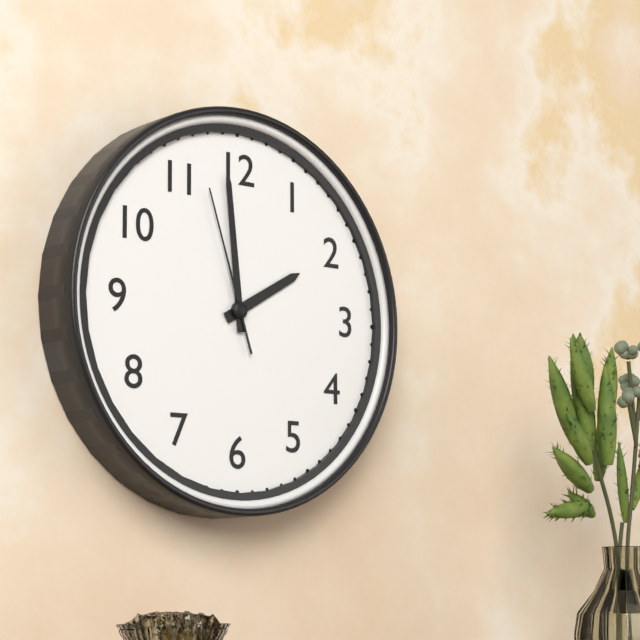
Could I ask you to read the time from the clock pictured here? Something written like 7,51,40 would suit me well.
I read 1,59,57
